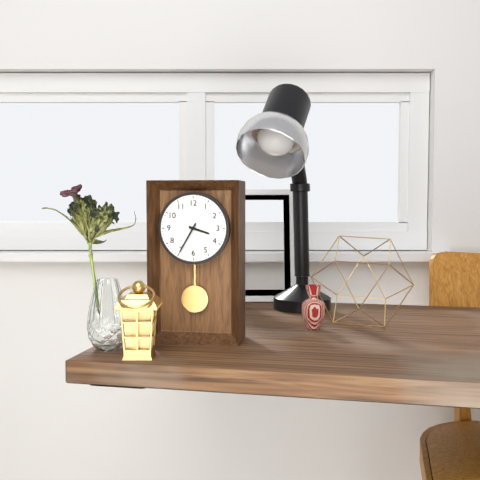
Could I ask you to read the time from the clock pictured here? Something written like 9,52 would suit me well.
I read 3,35
